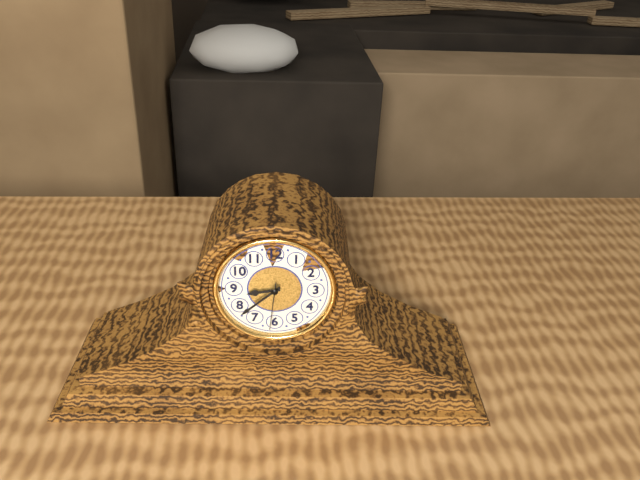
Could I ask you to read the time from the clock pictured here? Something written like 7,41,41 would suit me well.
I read 8,38,31
